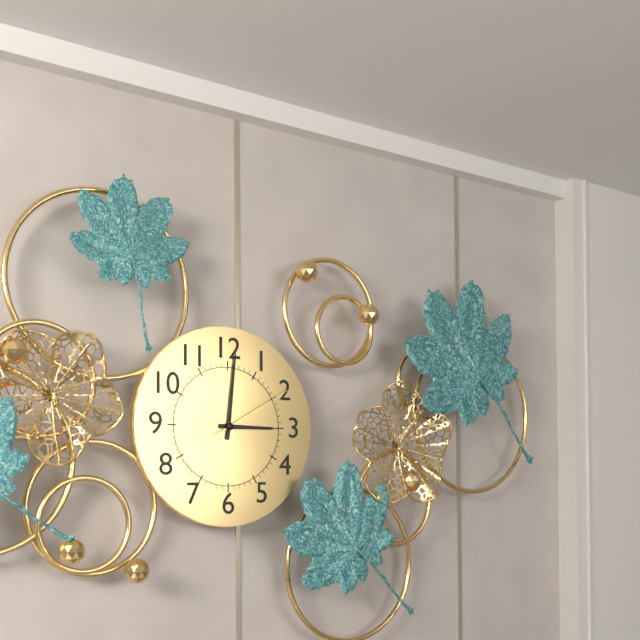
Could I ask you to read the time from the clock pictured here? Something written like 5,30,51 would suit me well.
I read 3,01,10
